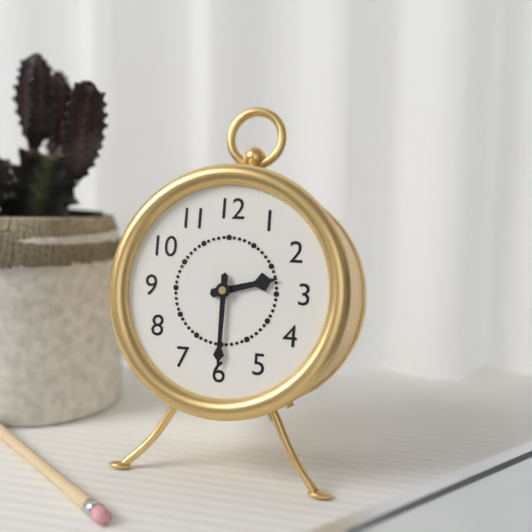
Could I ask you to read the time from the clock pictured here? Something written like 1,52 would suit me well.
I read 2,30
